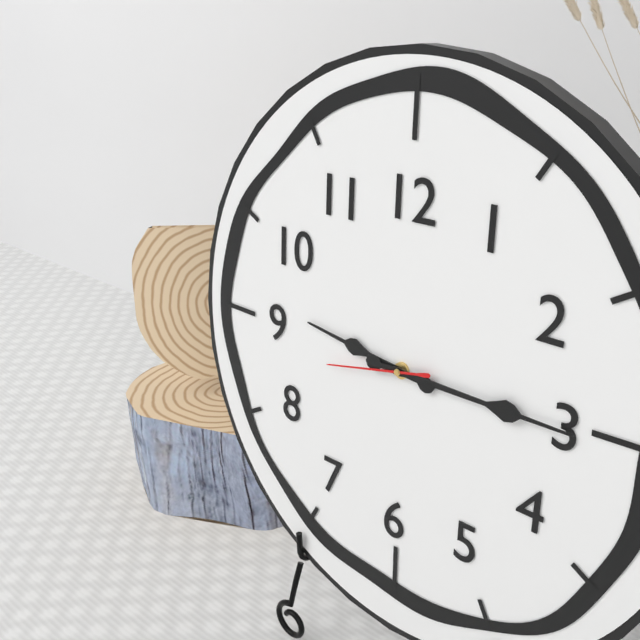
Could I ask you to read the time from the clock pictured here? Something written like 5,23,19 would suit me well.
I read 9,15,43
